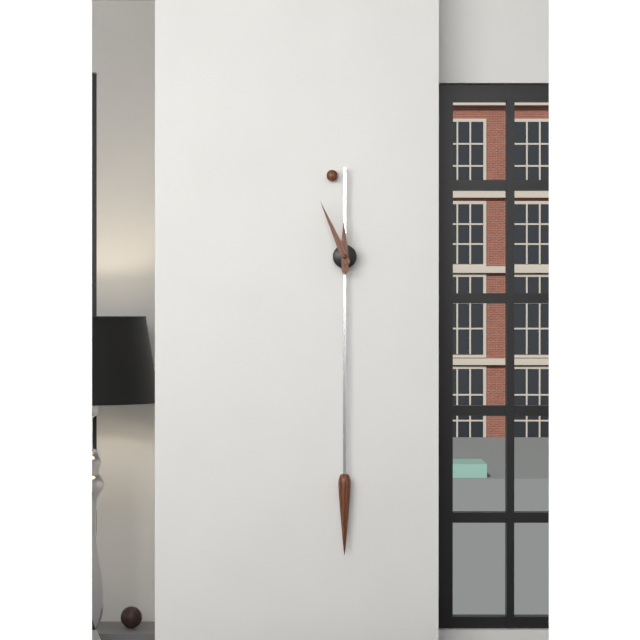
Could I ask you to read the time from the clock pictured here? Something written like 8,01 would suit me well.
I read 11,56
